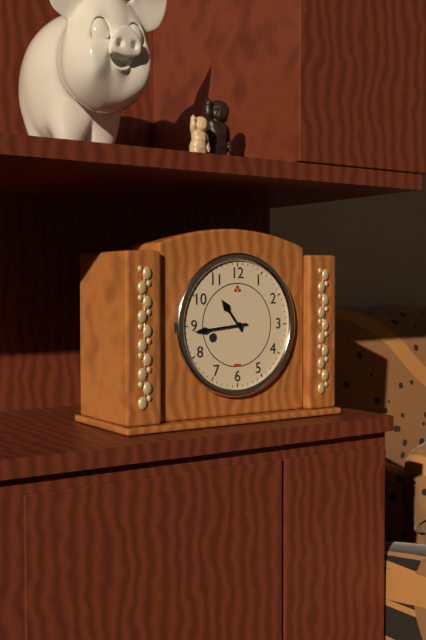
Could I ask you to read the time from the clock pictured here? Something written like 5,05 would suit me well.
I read 10,44
